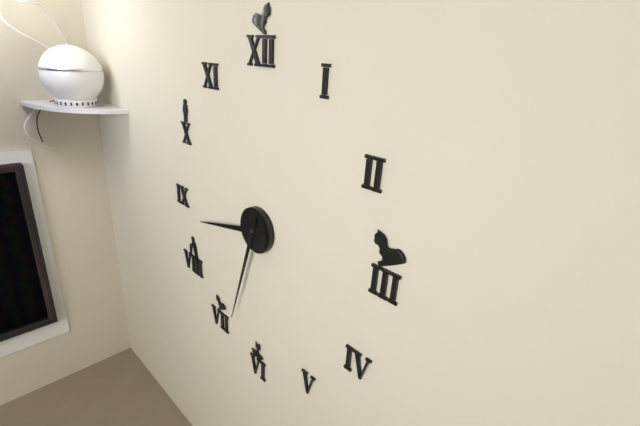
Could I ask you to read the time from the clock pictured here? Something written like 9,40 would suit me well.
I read 8,33
